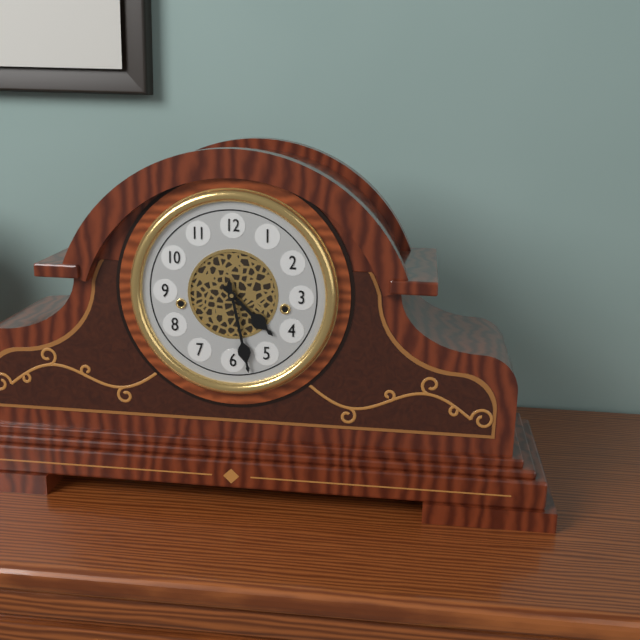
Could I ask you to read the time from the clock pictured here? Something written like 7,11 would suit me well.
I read 4,28
